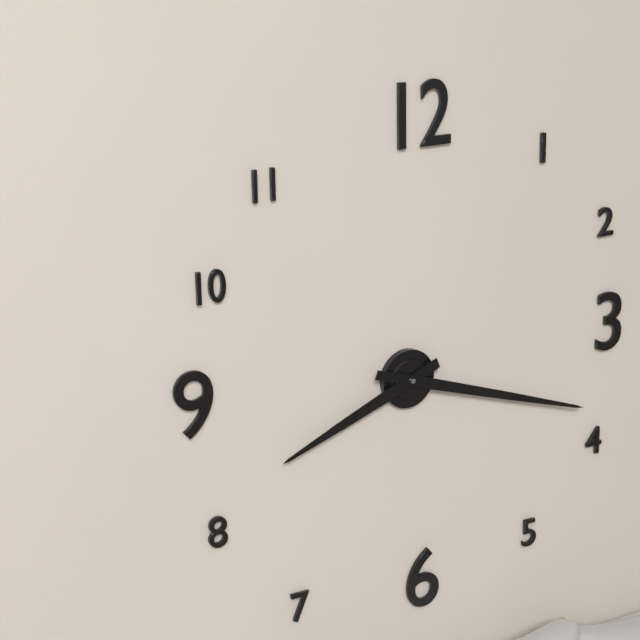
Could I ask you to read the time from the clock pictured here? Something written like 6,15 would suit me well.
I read 8,18
